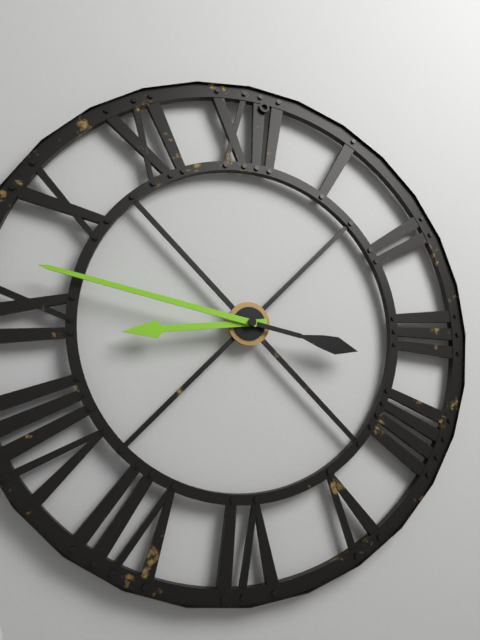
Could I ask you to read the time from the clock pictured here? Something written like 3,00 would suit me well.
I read 8,47
